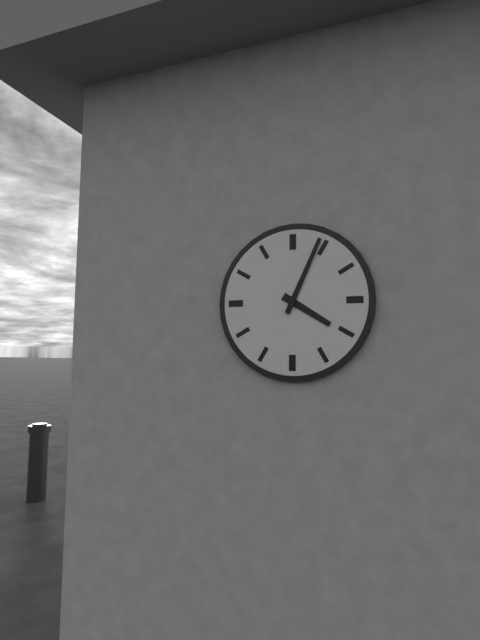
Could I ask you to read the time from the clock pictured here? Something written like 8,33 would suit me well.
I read 4,04
